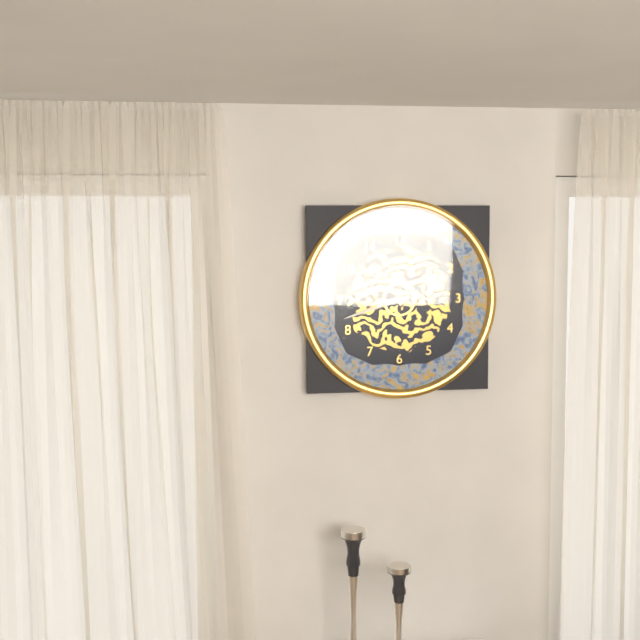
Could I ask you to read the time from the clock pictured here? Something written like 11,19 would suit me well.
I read 8,42
